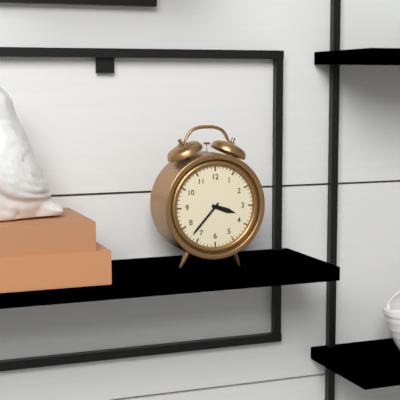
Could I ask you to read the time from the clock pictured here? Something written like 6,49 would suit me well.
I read 3,37
